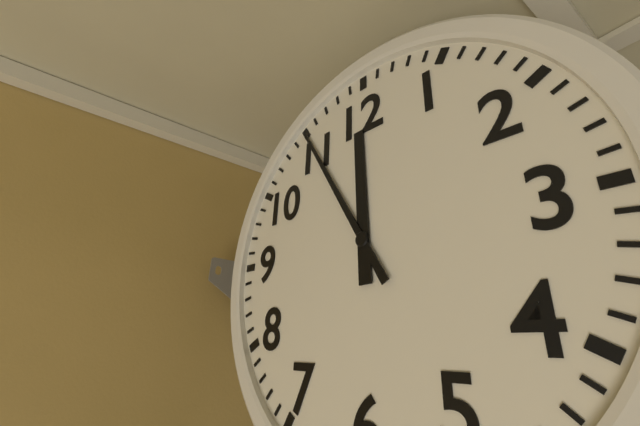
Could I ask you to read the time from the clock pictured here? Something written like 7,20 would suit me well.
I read 11,55
